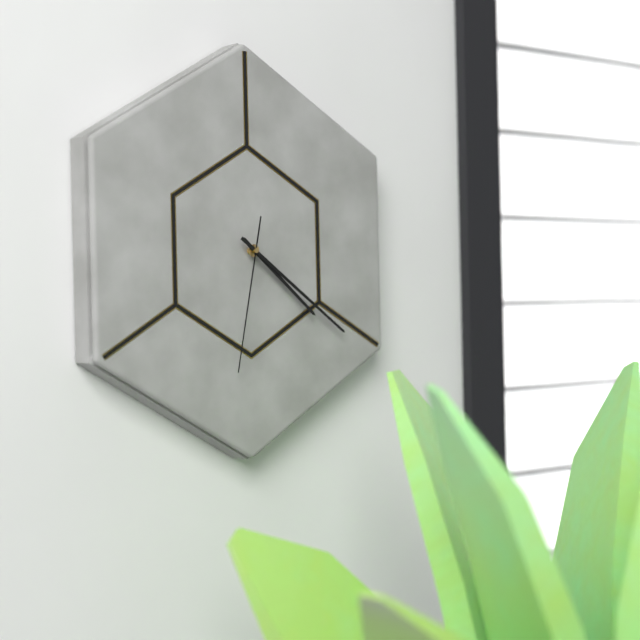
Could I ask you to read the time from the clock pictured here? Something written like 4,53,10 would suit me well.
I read 4,21,32
